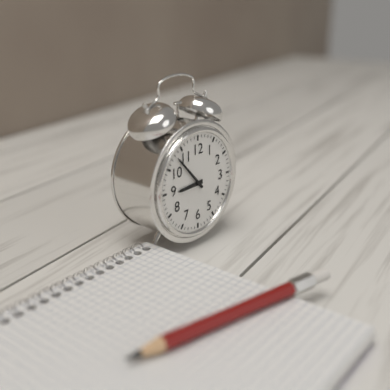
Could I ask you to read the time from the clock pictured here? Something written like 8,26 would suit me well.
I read 8,53
